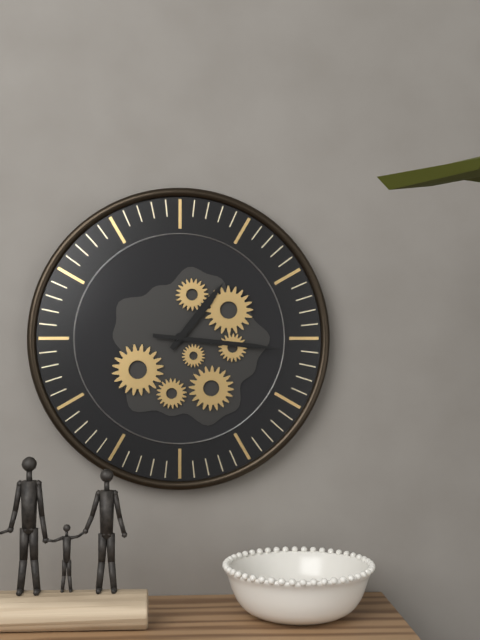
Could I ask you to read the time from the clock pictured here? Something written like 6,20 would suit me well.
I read 1,16
